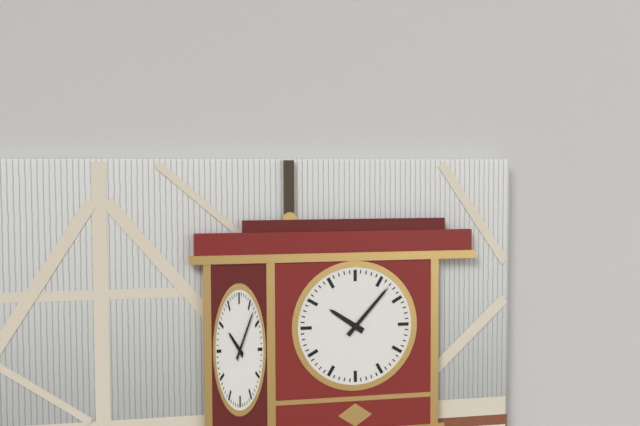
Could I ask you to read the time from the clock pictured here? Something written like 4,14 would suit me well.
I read 10,07
